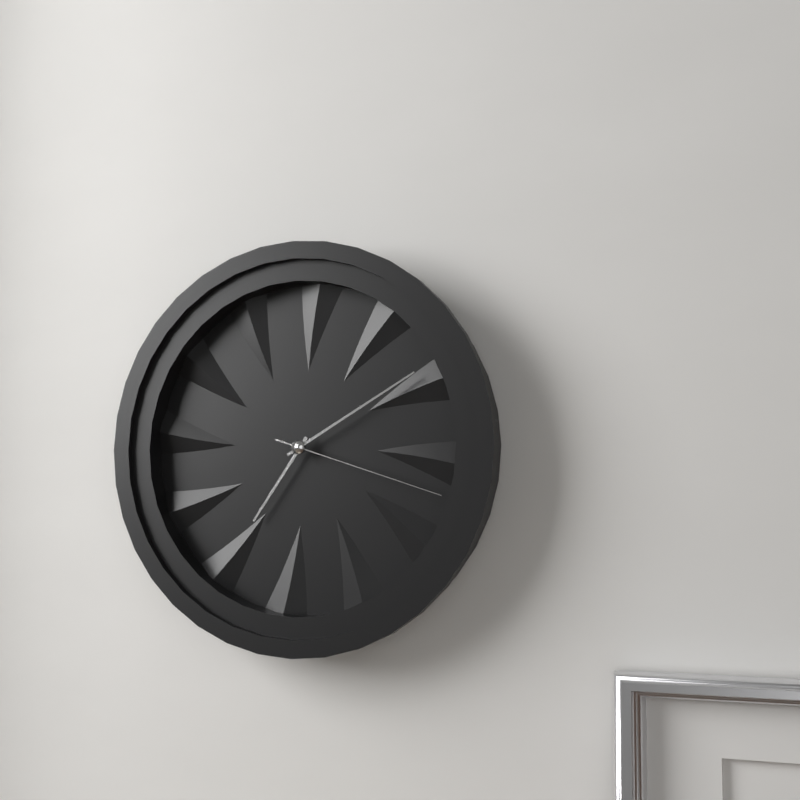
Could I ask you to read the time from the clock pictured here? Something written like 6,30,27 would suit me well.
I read 7,10,18
